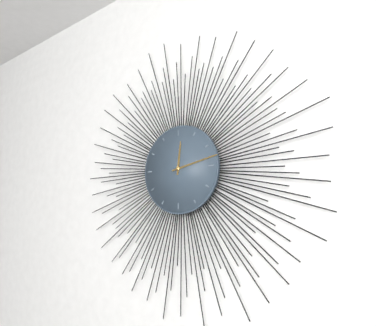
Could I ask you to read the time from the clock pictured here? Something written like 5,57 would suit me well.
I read 12,13
